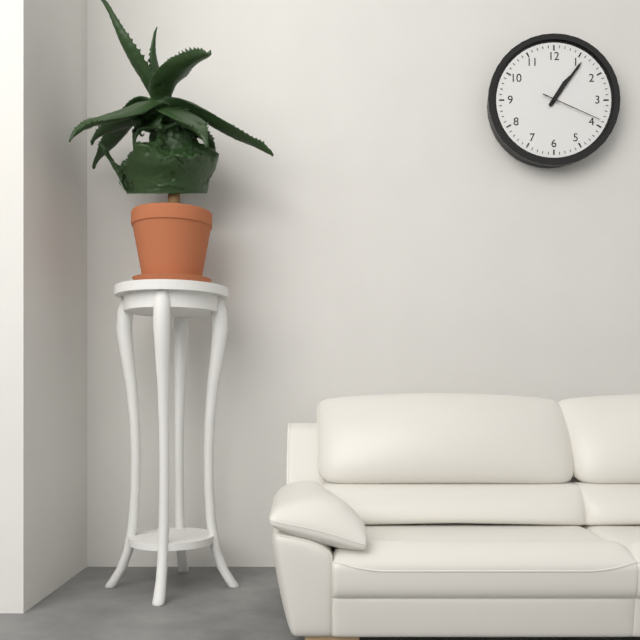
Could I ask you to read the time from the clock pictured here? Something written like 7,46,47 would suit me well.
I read 1,06,19
